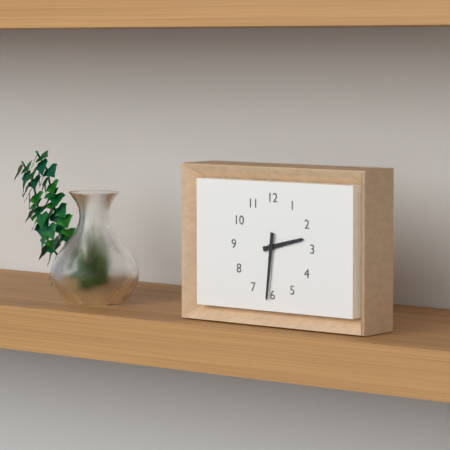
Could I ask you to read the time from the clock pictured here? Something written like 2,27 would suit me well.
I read 2,31
